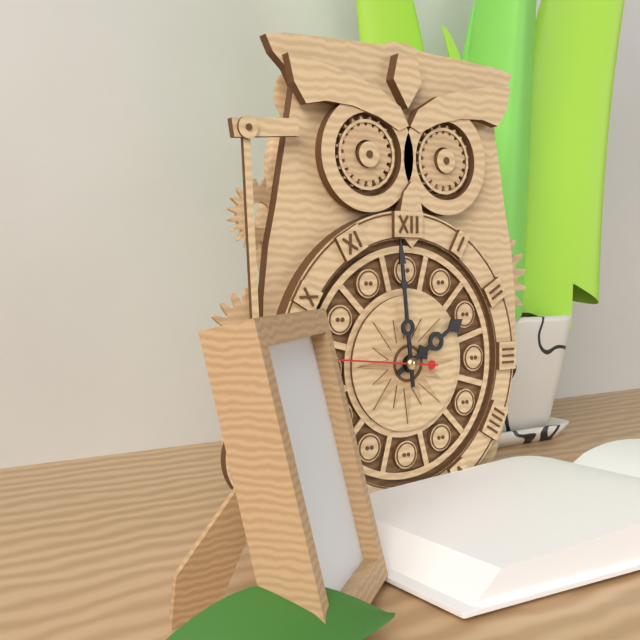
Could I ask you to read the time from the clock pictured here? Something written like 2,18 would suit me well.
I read 1,59
